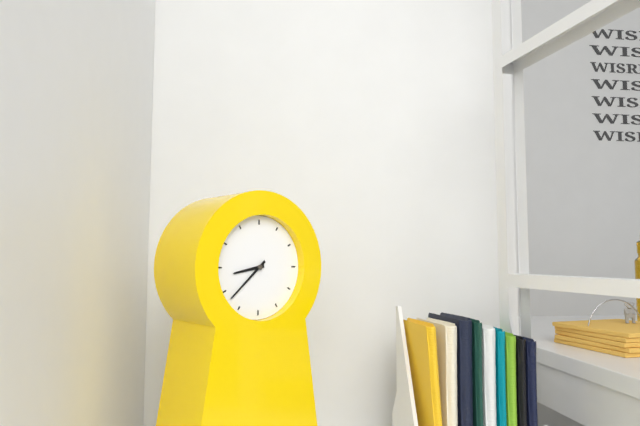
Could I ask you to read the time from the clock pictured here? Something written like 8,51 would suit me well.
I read 8,38
